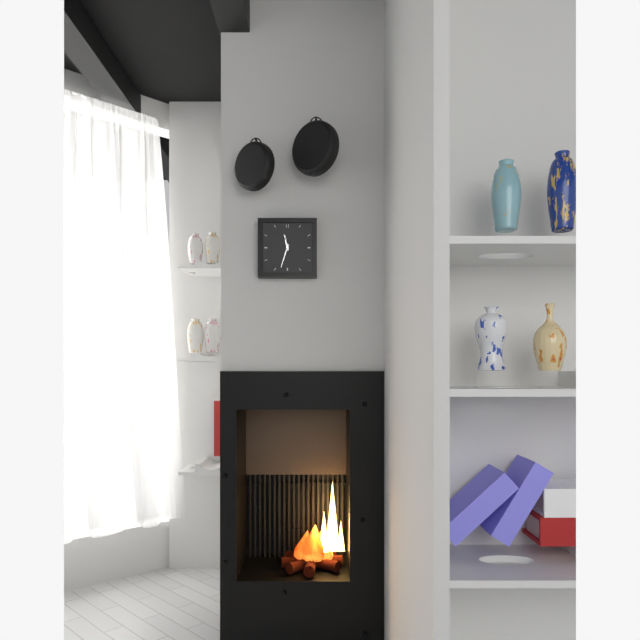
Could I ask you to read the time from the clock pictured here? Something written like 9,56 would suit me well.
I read 11,33
